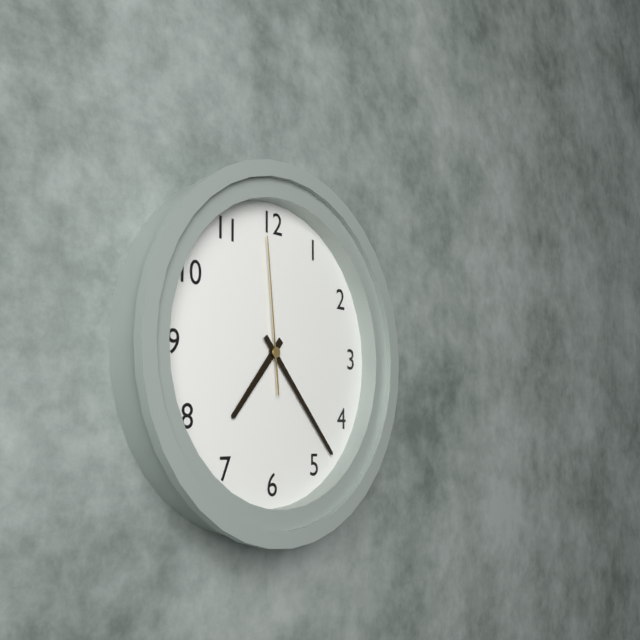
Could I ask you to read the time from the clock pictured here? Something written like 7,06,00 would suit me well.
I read 7,23,59
